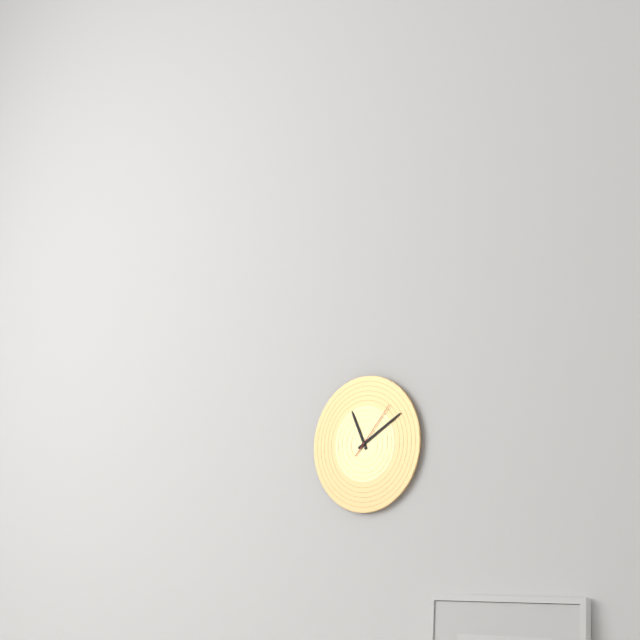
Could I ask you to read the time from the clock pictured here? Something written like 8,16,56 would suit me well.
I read 11,10,07
